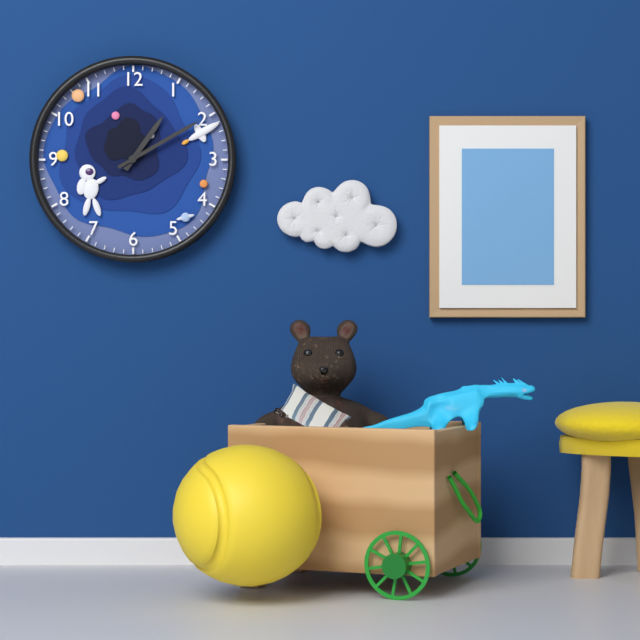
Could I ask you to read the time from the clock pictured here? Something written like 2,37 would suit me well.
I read 1,10
